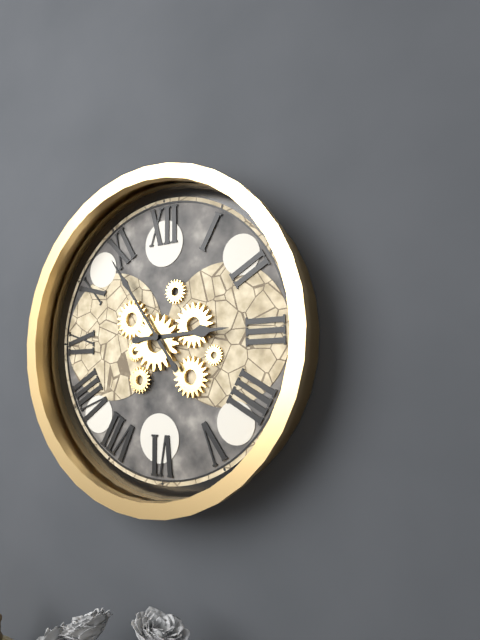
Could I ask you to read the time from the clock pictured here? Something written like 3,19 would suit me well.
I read 2,54
